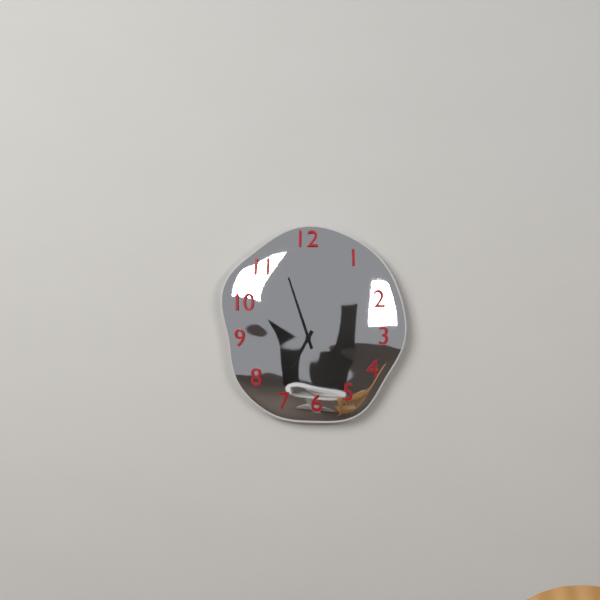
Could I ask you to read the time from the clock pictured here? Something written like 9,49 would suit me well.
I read 6,57
